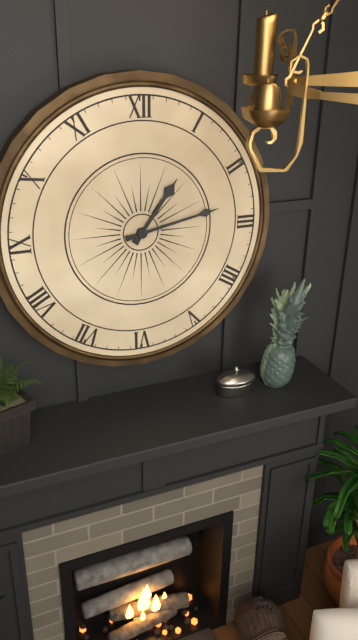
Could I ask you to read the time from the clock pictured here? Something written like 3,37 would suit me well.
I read 1,13
